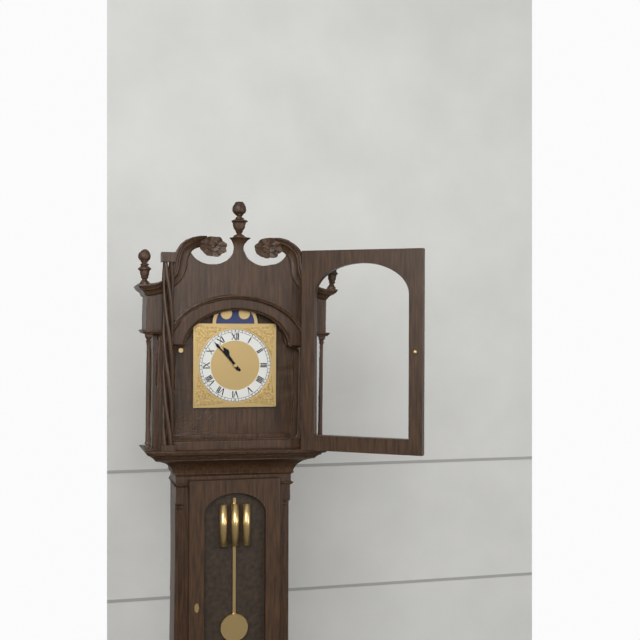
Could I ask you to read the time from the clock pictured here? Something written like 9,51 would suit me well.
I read 10,53
